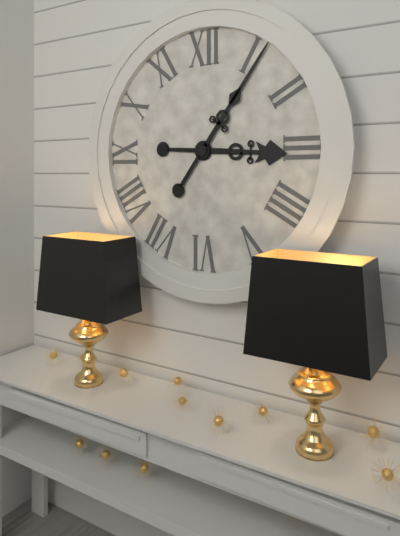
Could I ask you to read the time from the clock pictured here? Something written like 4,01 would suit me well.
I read 3,06
